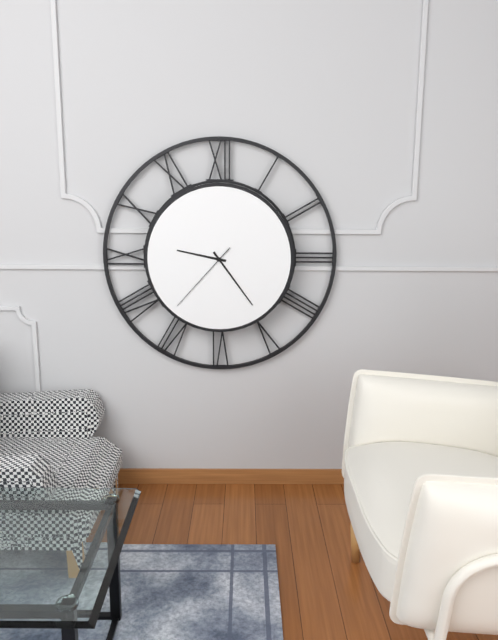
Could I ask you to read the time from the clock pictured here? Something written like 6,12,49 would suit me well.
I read 9,24,37
